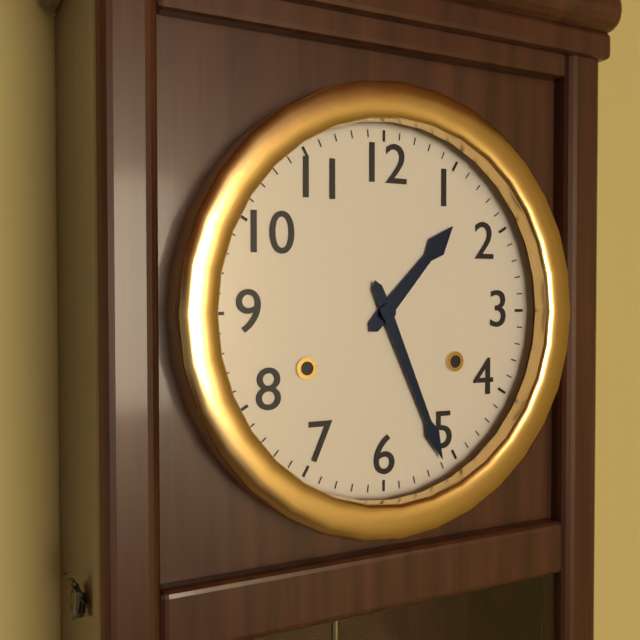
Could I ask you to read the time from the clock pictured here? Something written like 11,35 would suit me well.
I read 1,26
